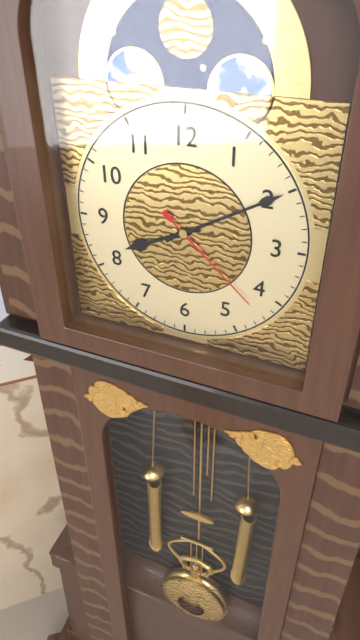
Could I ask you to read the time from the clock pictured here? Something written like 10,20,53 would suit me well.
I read 8,10,22
